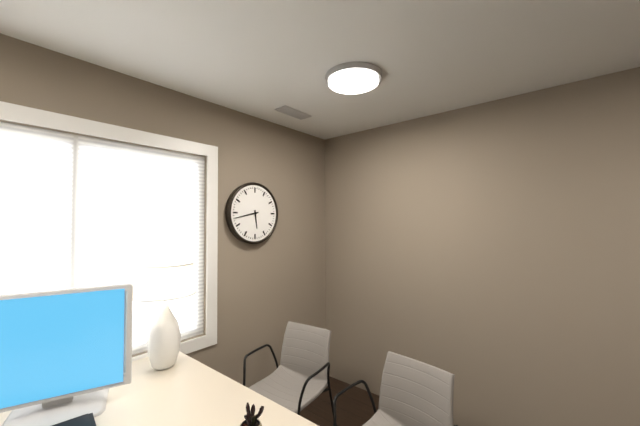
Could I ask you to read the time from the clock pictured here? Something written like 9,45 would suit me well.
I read 5,43
